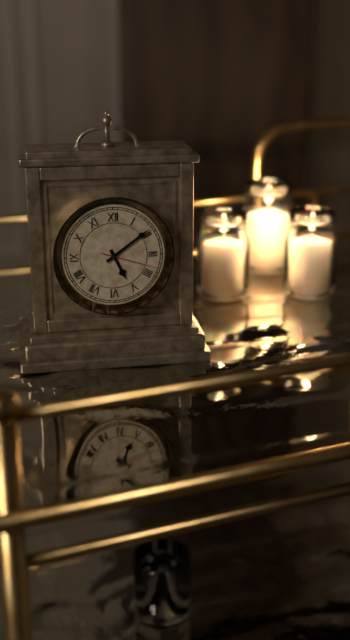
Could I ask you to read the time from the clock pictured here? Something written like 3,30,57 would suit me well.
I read 5,09,18
